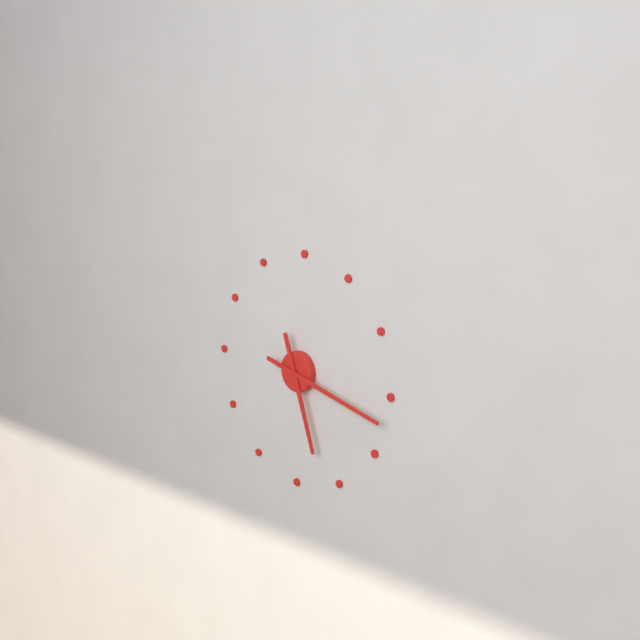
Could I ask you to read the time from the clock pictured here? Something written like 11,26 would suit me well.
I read 5,17
